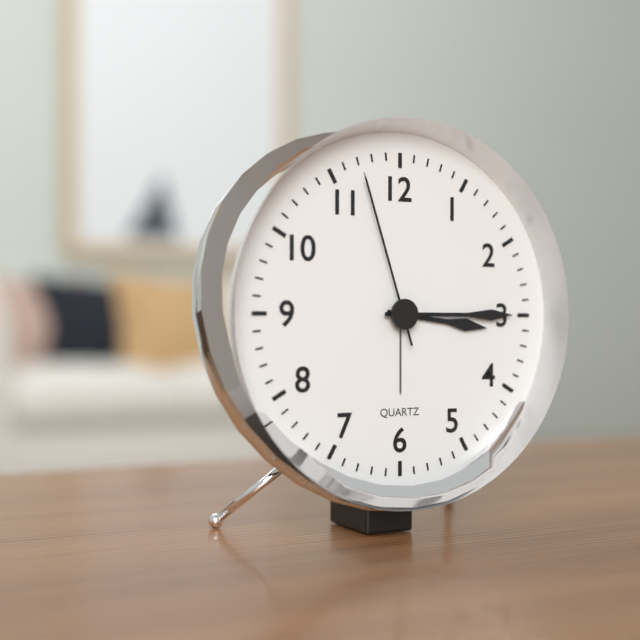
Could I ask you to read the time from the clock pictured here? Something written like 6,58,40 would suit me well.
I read 3,15,57
